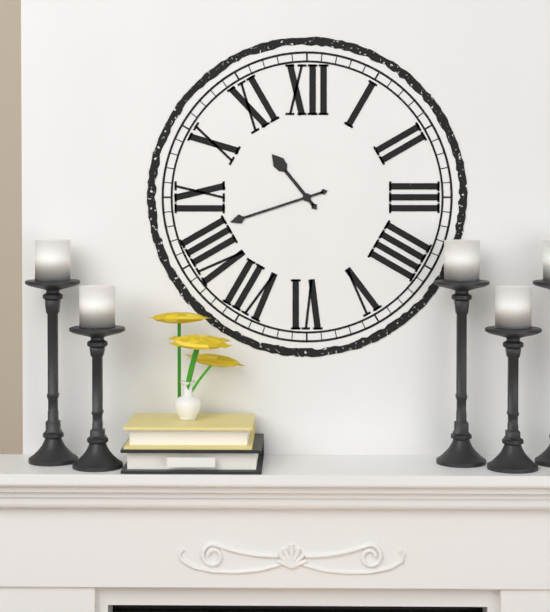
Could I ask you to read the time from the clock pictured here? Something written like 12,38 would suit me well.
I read 10,42
